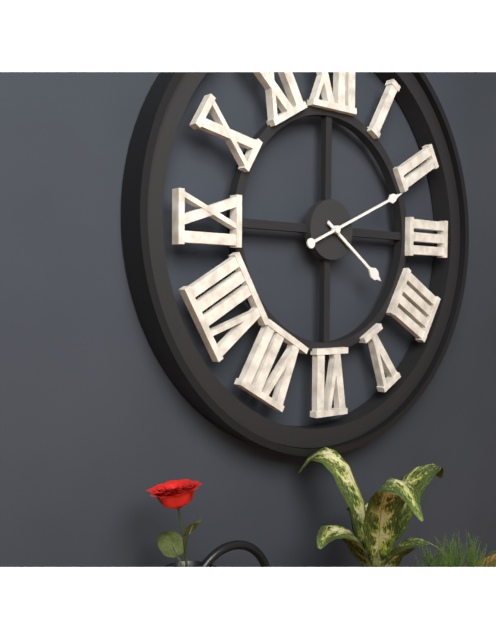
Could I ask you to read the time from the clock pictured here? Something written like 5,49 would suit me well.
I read 4,11
